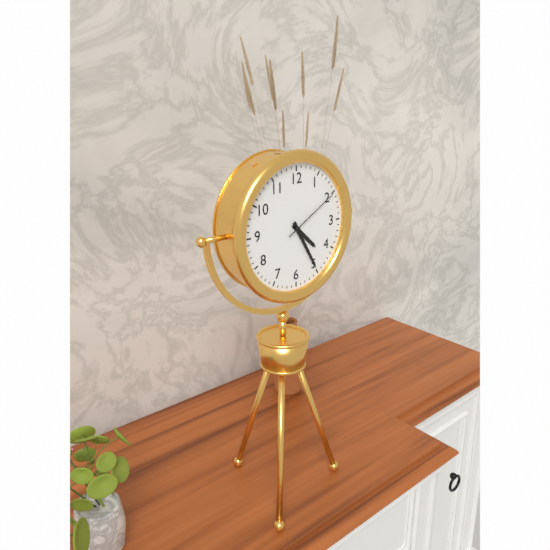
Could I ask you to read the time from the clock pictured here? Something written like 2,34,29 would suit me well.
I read 4,25,10
